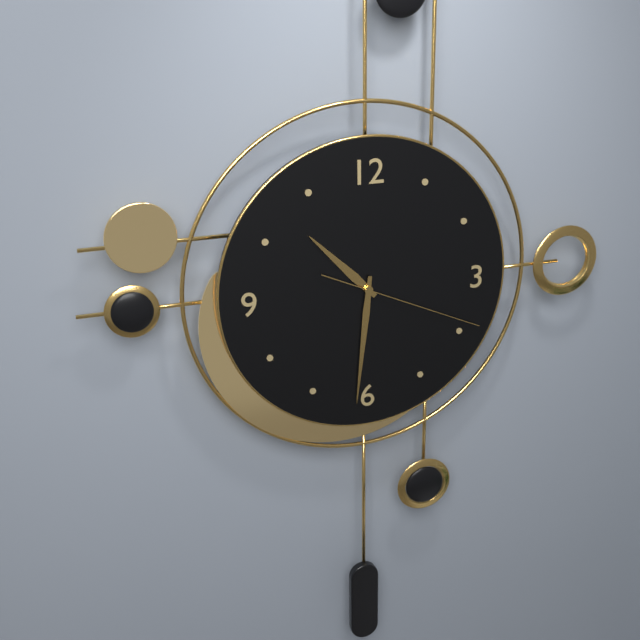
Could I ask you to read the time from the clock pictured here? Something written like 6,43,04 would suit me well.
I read 10,31,19
